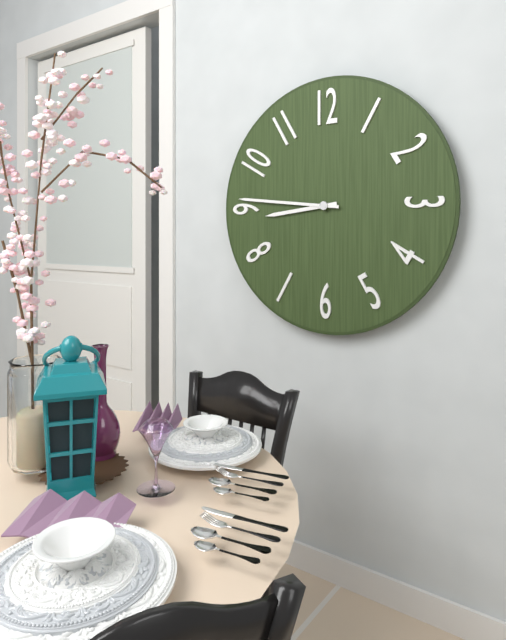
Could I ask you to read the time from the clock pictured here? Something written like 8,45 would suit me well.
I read 8,46
